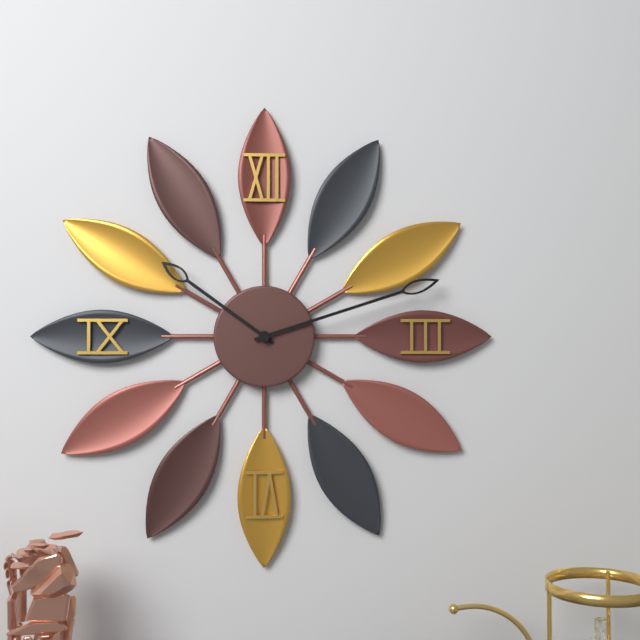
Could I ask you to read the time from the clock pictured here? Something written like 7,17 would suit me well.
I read 10,12
